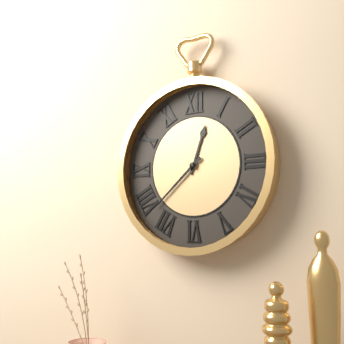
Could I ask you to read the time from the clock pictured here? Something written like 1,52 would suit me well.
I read 12,38
